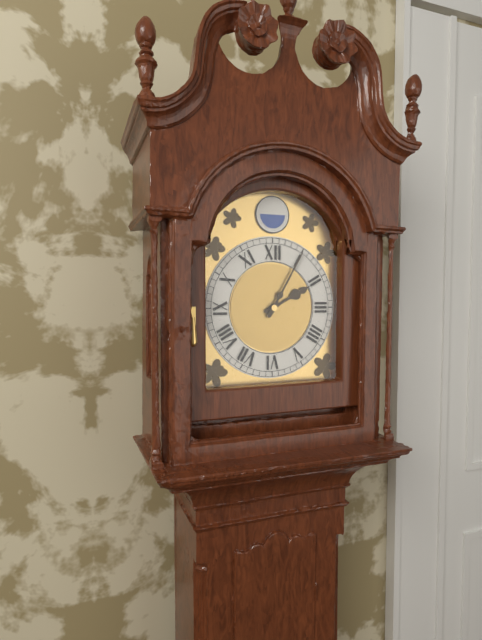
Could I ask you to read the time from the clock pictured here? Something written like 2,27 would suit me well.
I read 2,05
